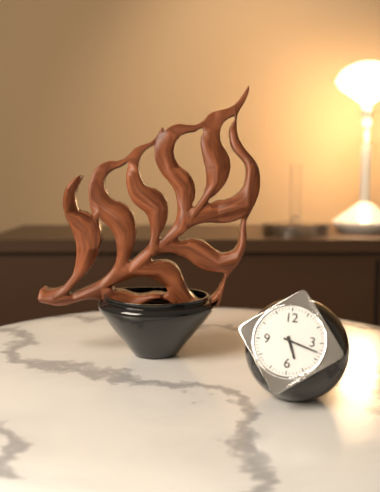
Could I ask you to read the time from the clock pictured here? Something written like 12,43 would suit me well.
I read 5,18
